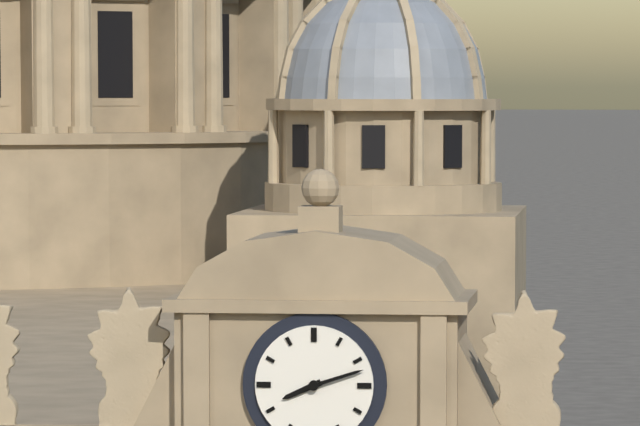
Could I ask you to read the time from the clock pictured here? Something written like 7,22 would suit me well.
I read 8,12
